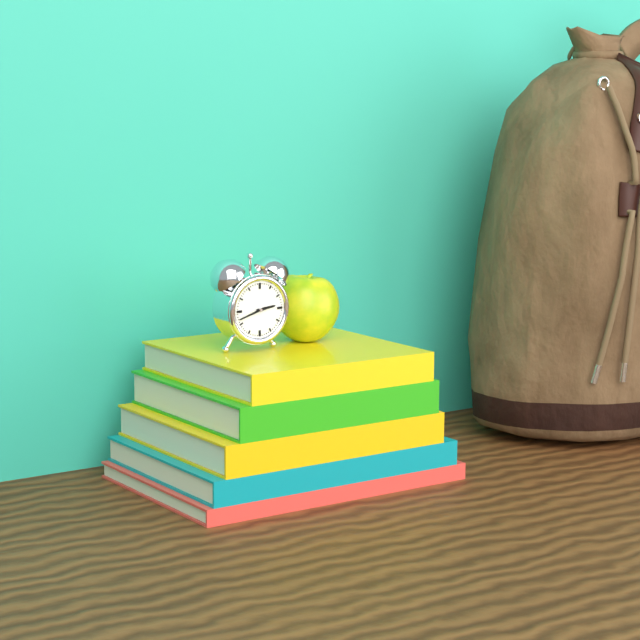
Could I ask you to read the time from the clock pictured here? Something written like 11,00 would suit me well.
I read 2,42
